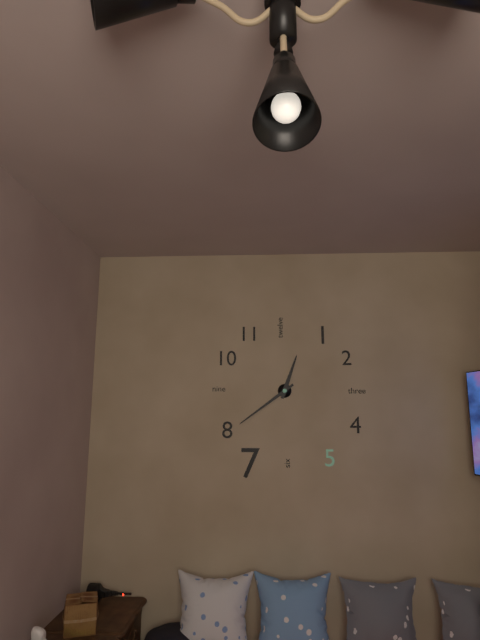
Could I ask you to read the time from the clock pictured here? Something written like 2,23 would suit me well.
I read 12,39
